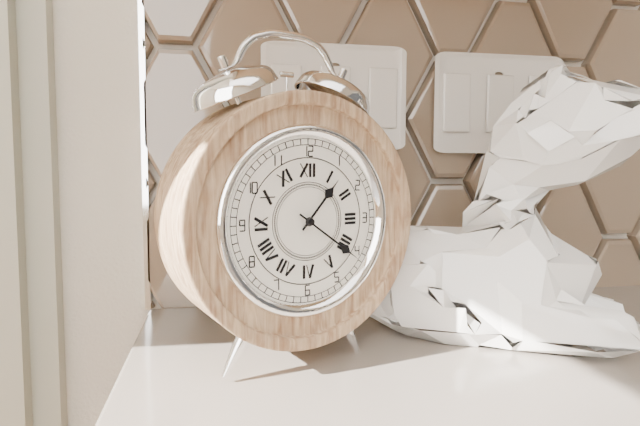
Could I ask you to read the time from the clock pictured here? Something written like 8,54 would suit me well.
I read 1,21
